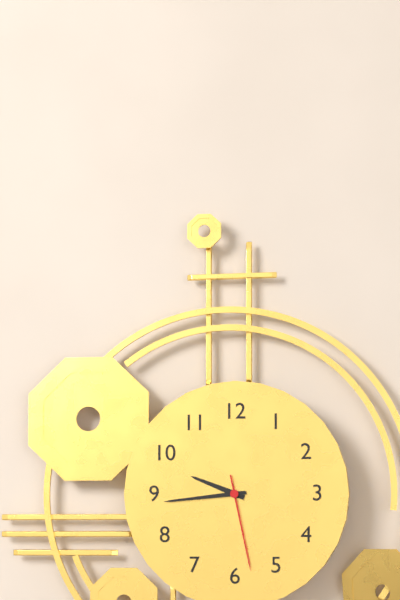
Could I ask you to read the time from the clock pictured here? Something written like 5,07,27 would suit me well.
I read 9,44,28
